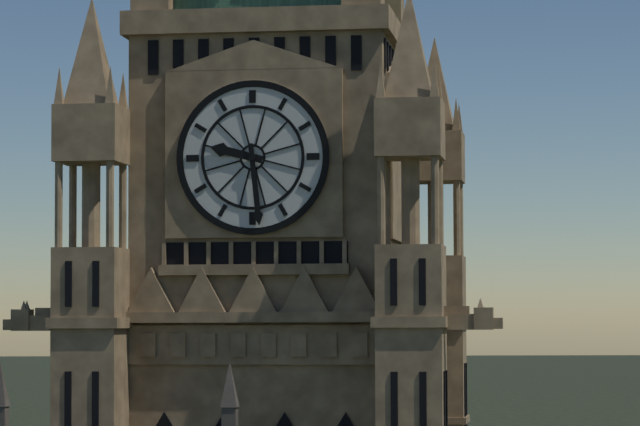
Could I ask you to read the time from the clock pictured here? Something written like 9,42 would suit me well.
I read 9,29
